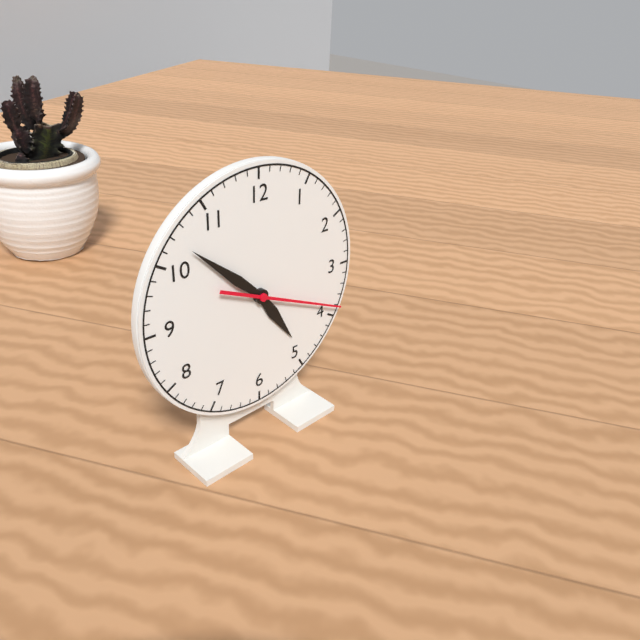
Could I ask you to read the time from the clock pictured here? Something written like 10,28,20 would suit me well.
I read 4,52,19
